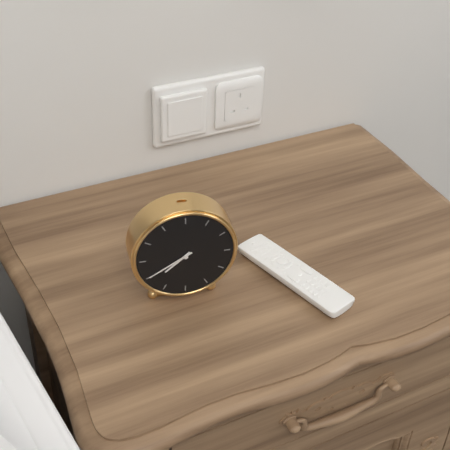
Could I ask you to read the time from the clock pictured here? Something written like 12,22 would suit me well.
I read 7,40
